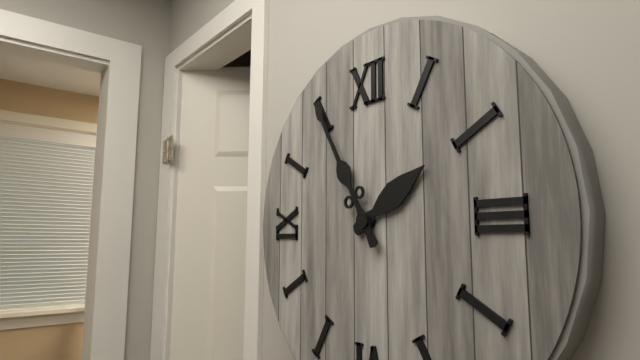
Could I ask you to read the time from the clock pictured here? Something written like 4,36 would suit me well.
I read 1,55
